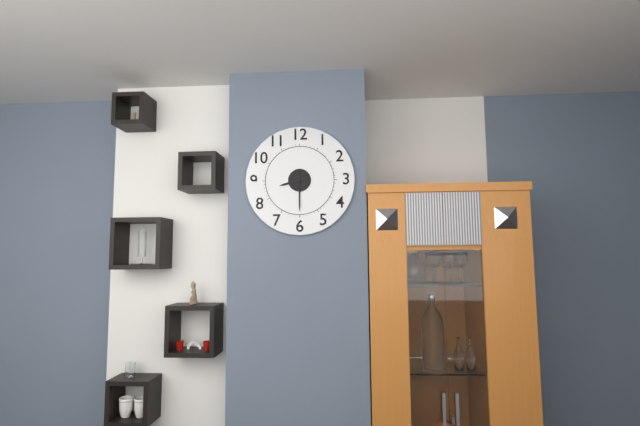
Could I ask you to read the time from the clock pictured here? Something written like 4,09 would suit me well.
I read 8,30
